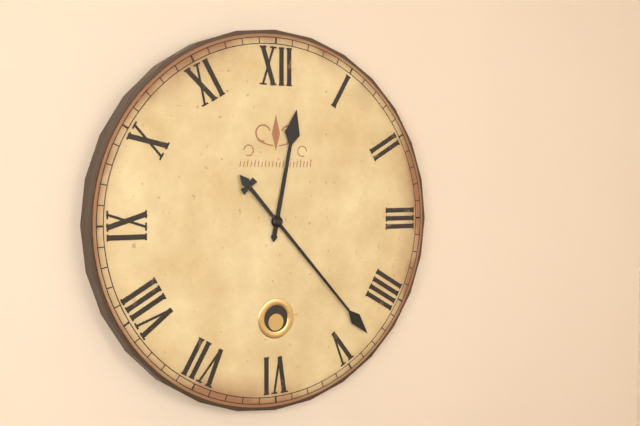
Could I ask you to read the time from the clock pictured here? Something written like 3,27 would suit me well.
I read 12,23
